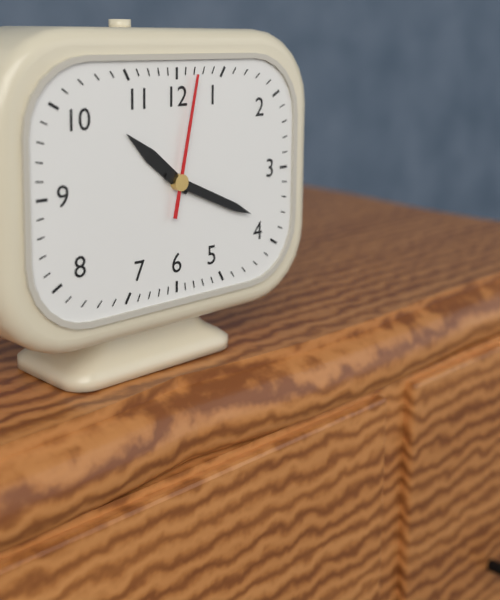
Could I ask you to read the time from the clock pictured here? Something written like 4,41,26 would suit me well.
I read 10,19,02
